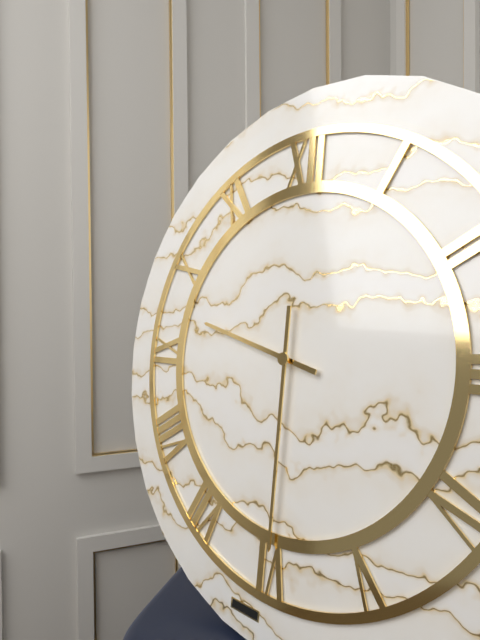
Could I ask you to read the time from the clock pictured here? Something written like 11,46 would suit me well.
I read 9,30
